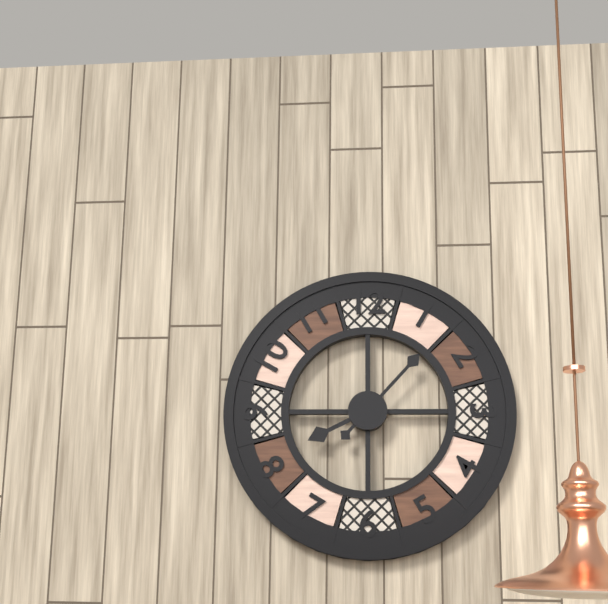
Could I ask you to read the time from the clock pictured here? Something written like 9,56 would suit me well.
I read 8,07
